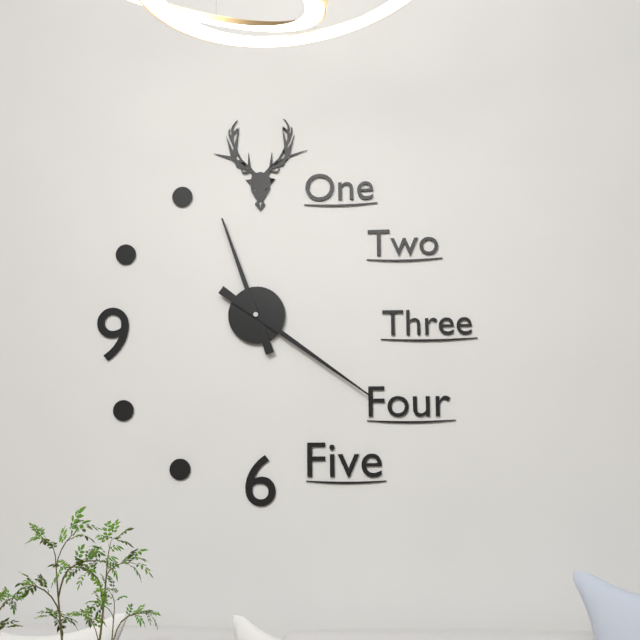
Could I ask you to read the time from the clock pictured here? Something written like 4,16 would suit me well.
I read 11,21
